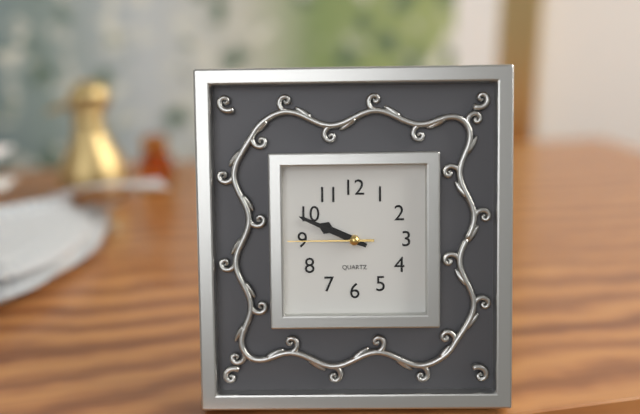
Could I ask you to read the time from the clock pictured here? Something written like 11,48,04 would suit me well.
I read 9,49,45
